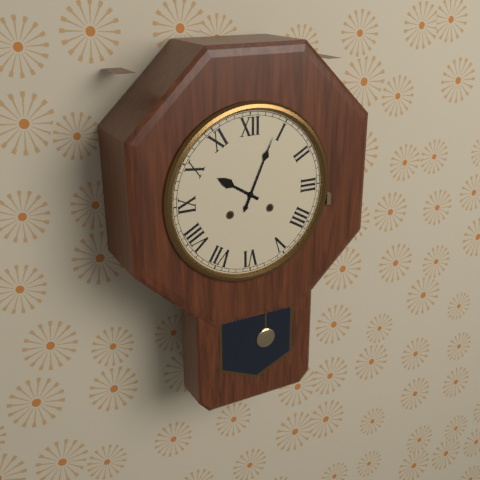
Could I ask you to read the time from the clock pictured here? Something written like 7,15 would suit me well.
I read 10,04
